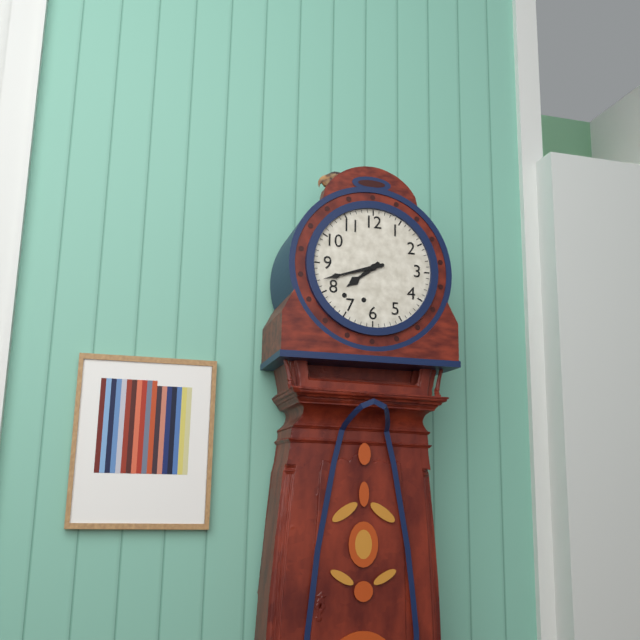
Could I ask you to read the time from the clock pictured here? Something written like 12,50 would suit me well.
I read 7,42
